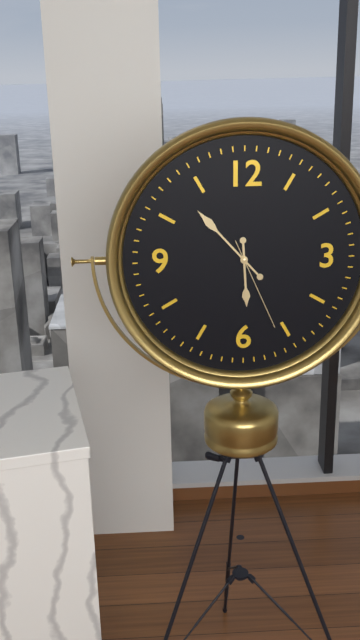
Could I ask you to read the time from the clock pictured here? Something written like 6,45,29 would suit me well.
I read 5,53,26
